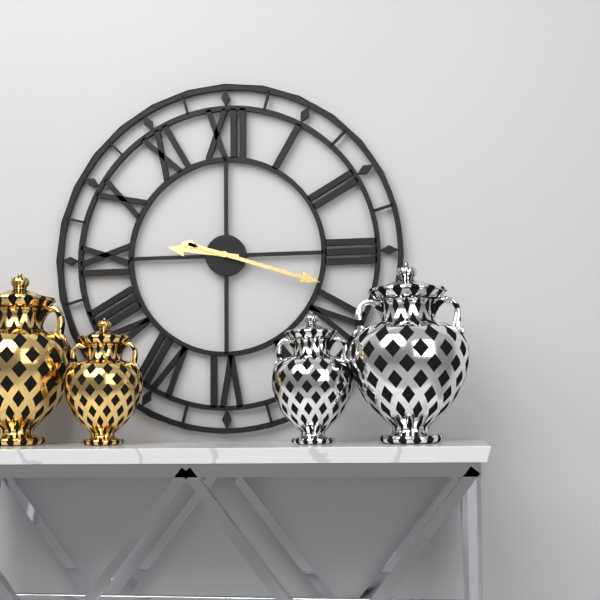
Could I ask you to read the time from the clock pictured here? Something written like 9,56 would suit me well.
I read 9,18
